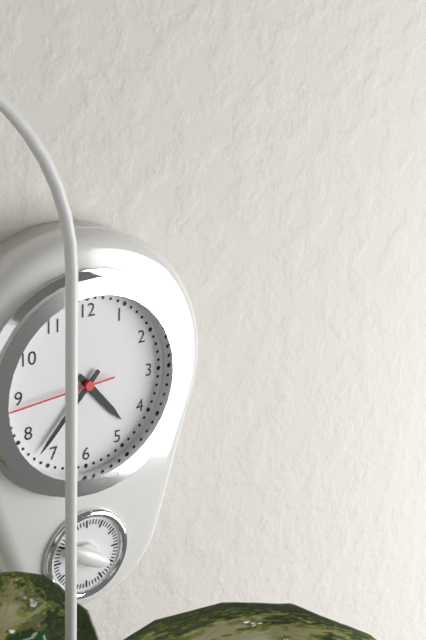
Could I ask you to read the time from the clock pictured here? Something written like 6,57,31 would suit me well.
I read 4,37,44
